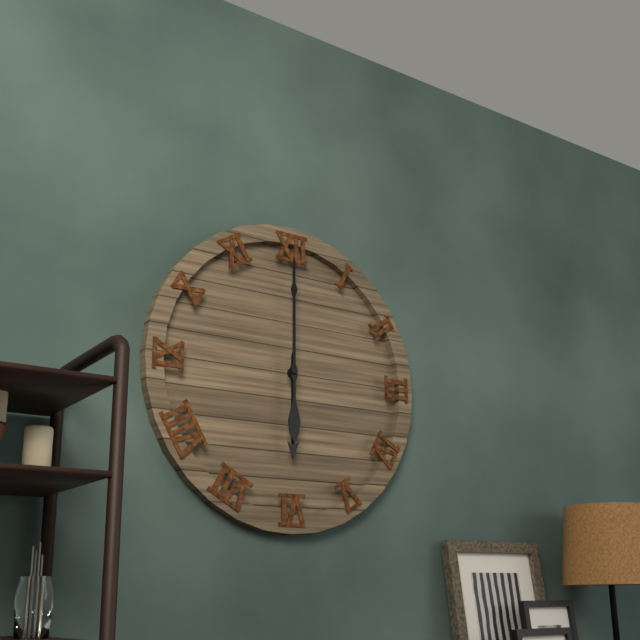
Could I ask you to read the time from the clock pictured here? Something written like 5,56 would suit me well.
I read 6,00
